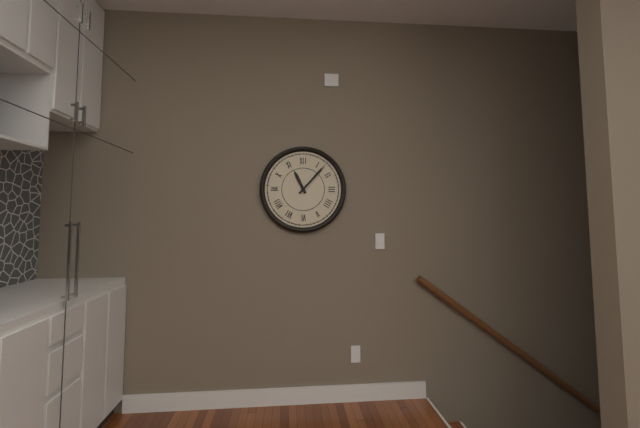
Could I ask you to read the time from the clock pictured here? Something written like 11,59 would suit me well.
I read 11,07
